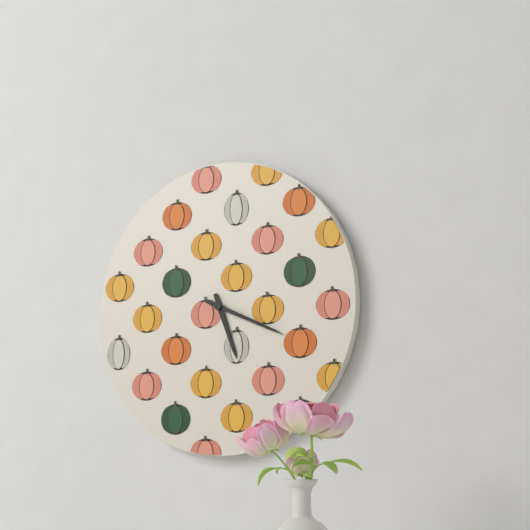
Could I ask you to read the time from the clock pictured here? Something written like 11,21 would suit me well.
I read 5,19
